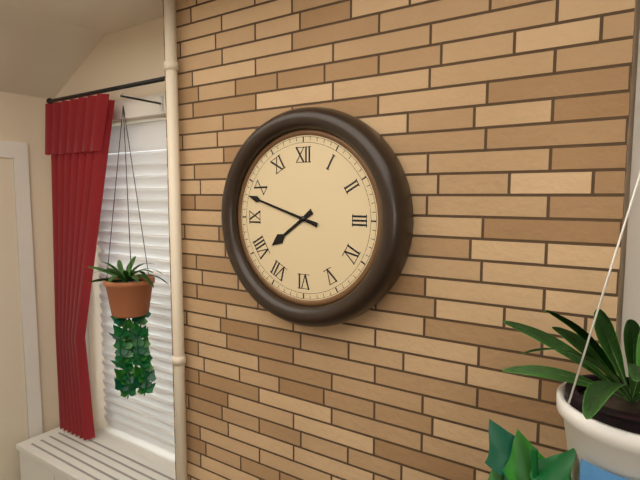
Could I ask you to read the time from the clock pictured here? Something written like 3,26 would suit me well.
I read 7,48
